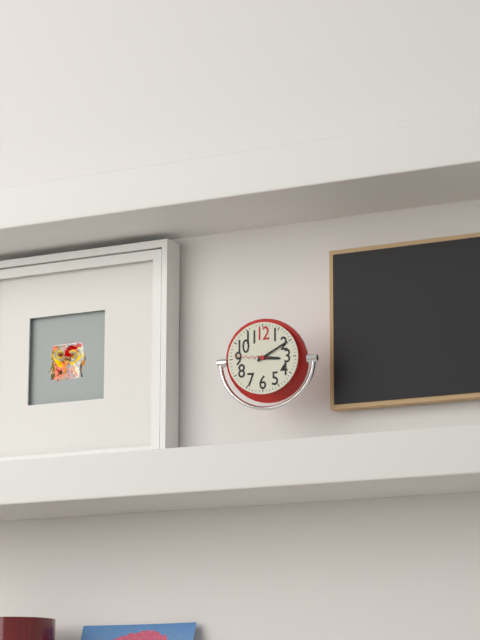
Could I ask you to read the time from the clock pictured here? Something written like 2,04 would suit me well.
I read 3,10
